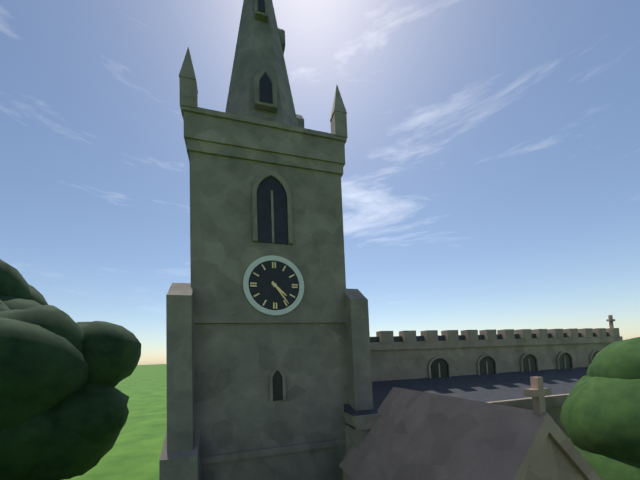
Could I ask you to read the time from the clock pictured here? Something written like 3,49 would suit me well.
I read 4,24
